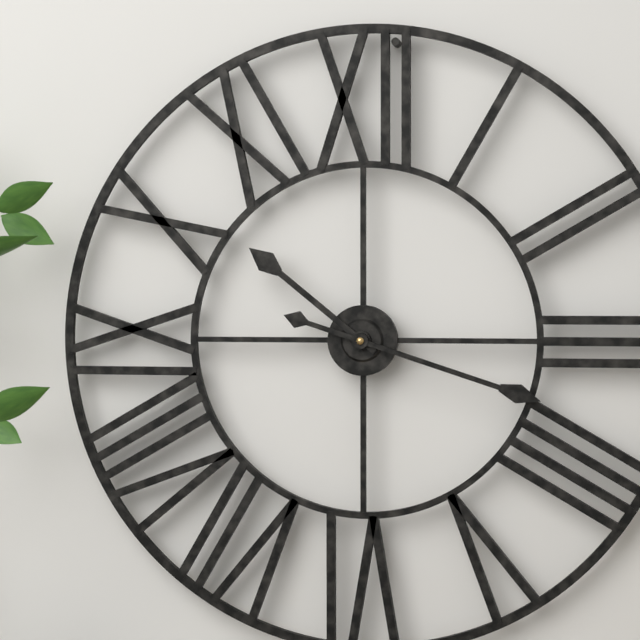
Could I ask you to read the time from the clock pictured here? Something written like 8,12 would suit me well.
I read 10,18
